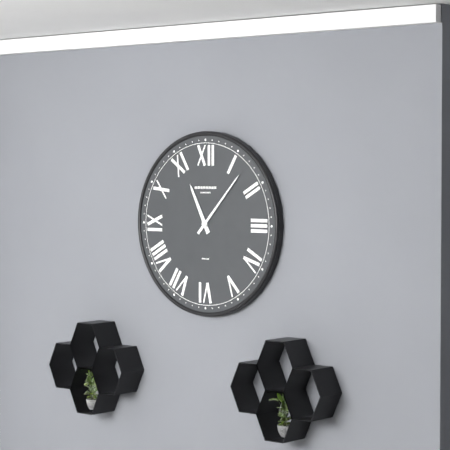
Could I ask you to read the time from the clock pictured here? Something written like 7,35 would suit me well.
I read 11,07
